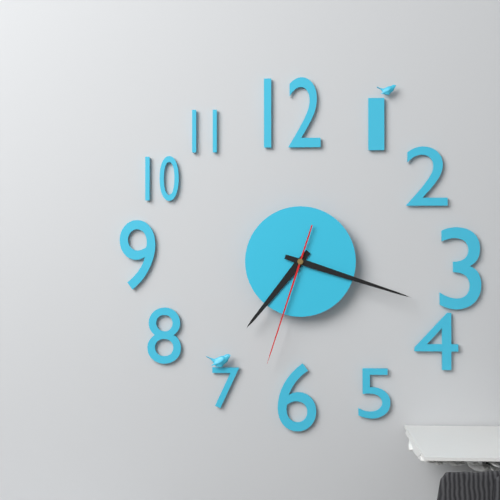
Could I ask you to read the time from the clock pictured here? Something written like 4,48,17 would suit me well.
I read 7,18,33
